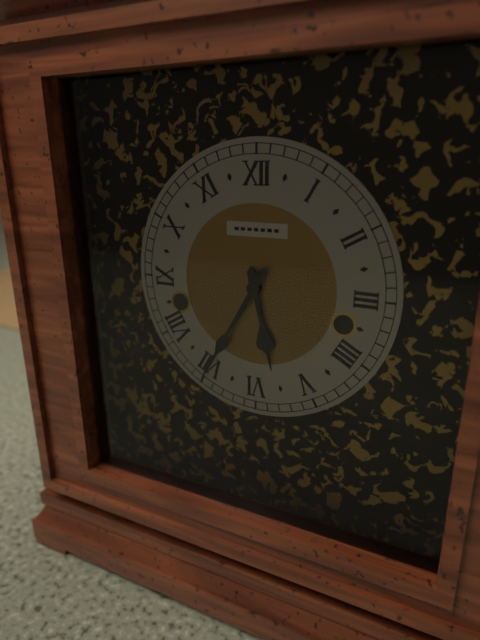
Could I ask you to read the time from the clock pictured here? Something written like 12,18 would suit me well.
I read 5,35
